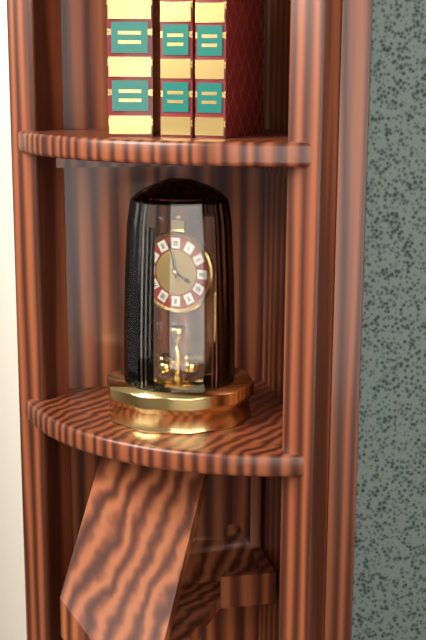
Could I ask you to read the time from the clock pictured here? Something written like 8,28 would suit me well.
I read 3,58
